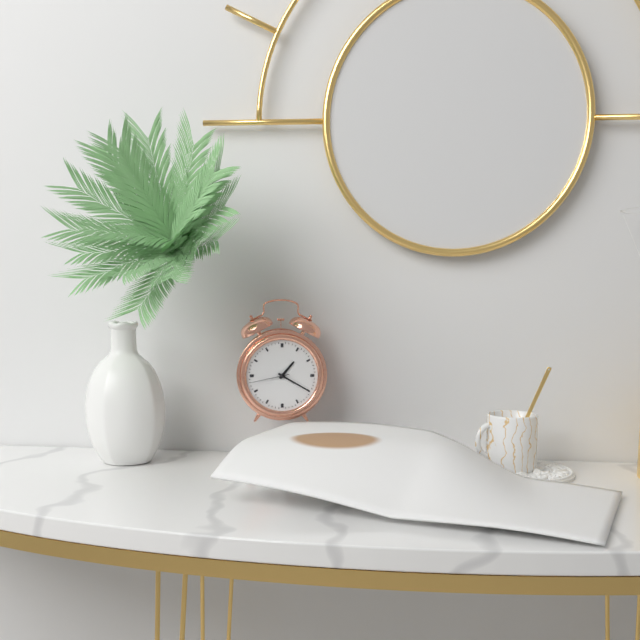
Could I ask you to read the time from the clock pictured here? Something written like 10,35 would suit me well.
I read 1,20
